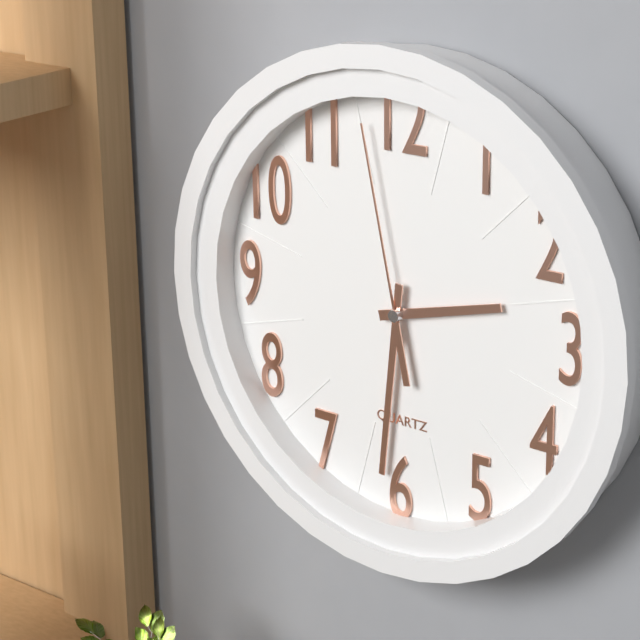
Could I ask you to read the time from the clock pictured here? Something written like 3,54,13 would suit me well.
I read 2,31,58
